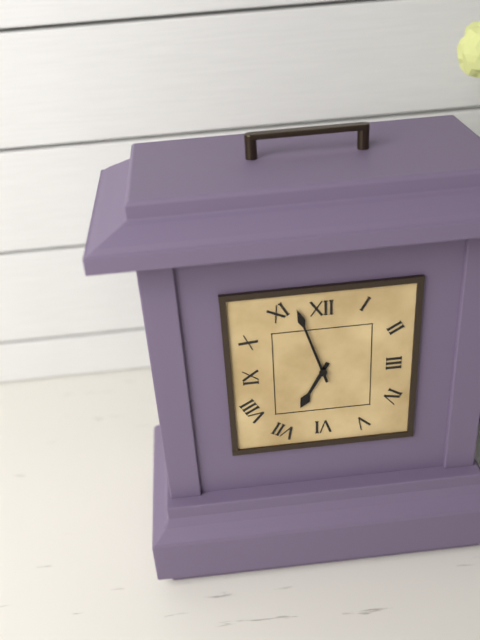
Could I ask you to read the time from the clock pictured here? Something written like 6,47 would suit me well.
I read 6,57
